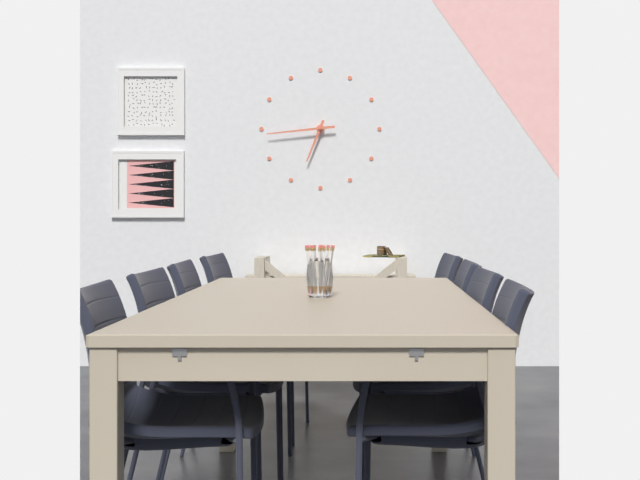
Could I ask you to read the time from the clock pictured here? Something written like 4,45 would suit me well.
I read 6,44
